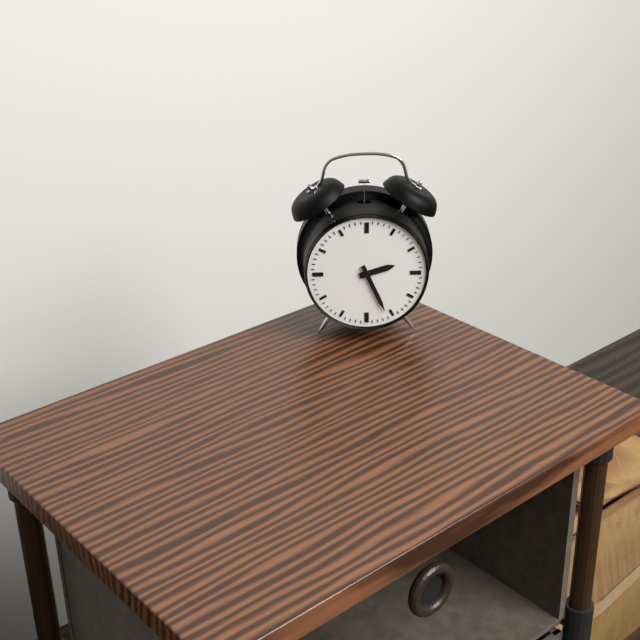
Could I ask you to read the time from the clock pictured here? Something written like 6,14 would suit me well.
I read 2,26
